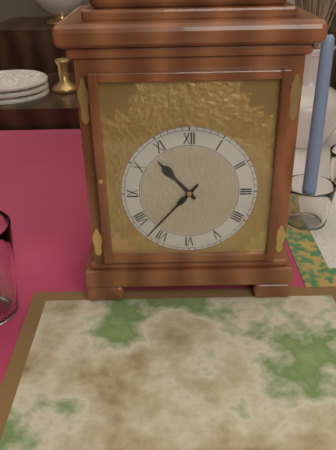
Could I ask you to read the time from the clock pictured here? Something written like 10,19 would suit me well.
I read 10,37
